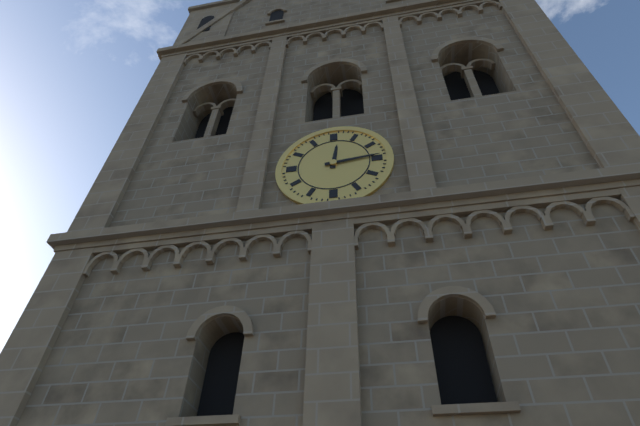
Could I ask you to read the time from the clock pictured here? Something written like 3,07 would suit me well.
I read 12,14
